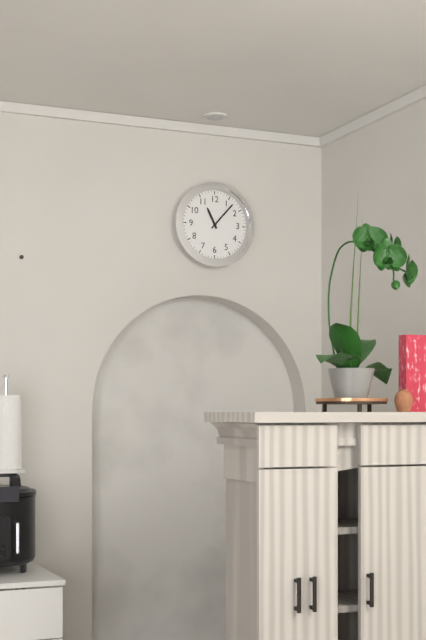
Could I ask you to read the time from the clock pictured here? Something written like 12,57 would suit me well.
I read 11,07
